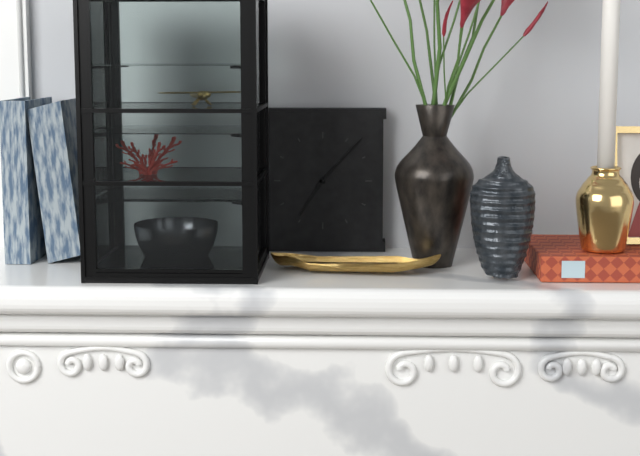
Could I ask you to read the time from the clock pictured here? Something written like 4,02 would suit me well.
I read 7,07
